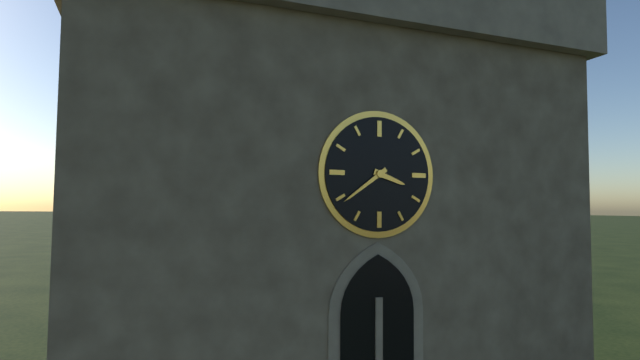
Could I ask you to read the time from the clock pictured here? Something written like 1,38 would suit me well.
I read 3,39
